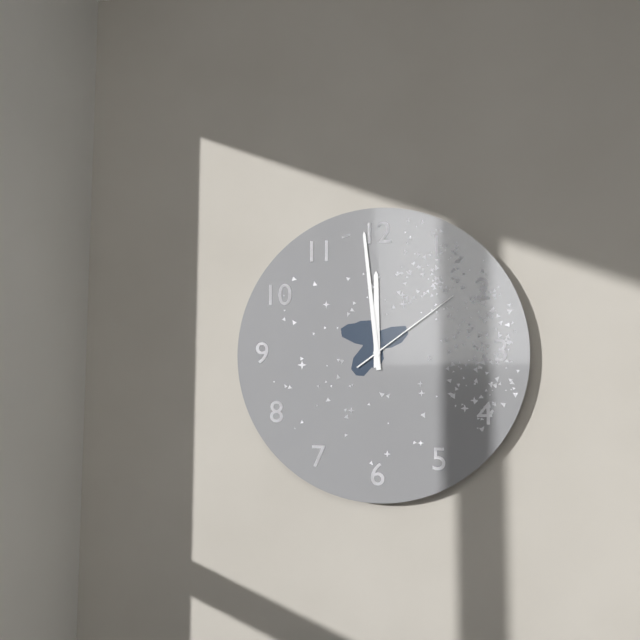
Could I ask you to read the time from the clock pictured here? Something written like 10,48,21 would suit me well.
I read 11,59,09
